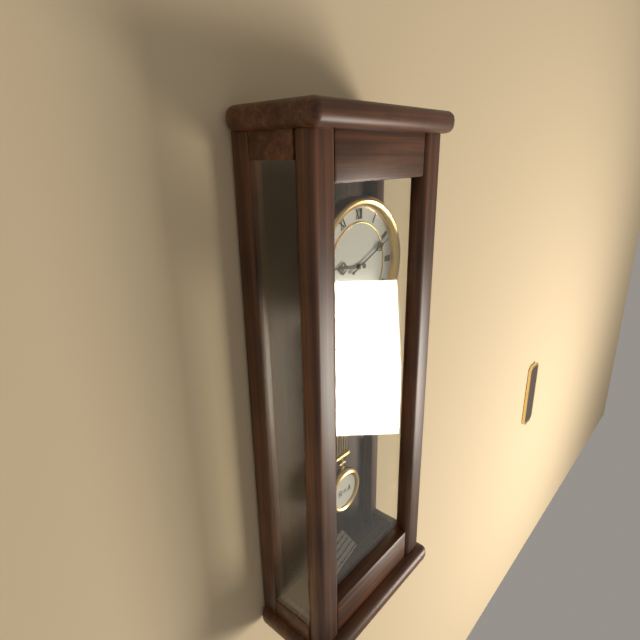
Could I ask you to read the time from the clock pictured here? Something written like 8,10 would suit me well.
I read 9,11
